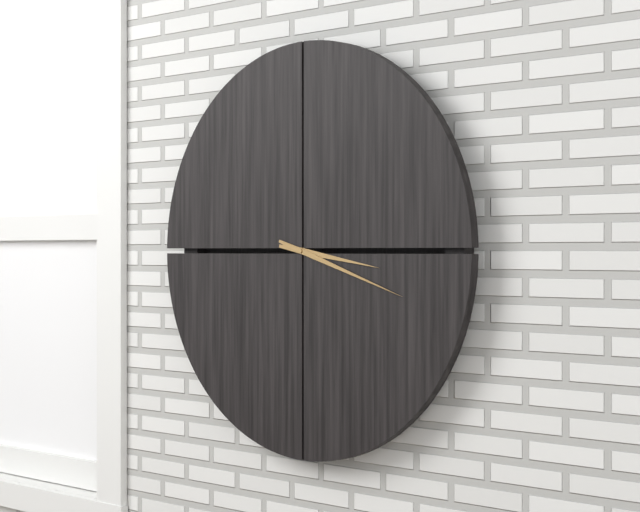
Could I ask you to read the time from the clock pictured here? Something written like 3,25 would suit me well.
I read 3,18
